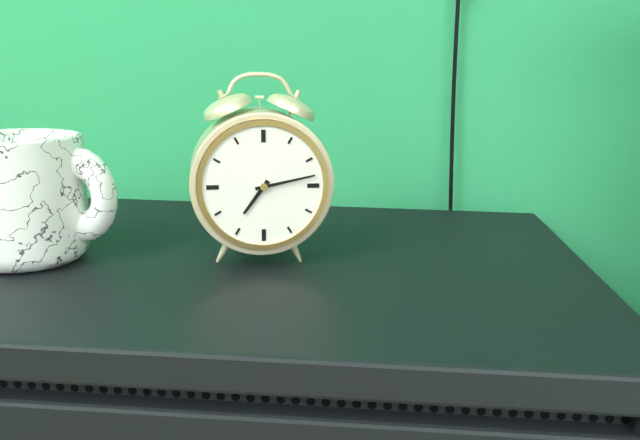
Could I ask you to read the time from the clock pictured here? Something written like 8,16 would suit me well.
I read 7,13
